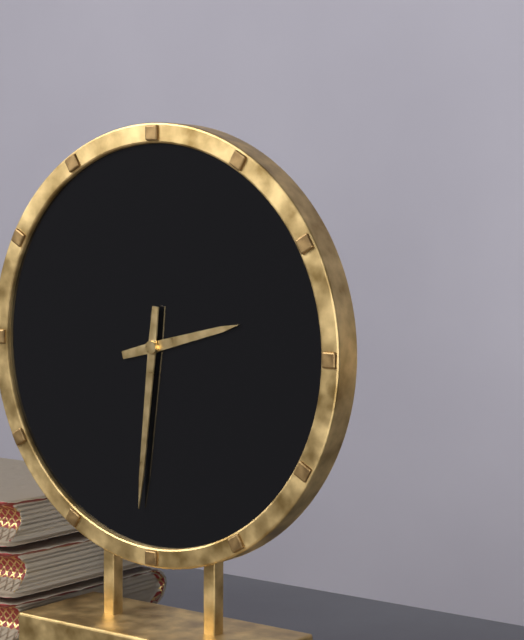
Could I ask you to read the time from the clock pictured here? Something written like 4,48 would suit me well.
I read 2,31
